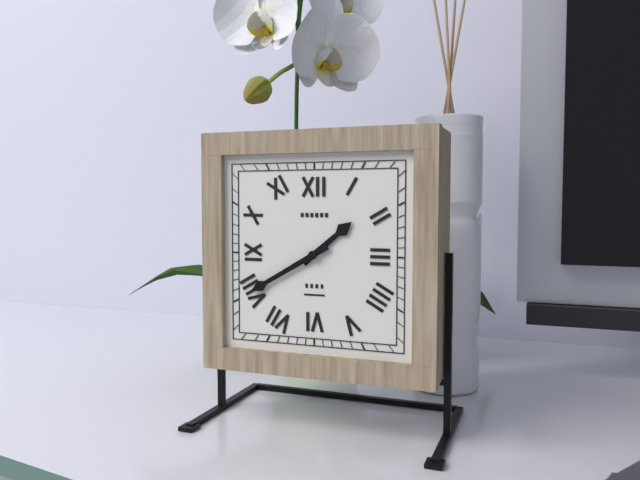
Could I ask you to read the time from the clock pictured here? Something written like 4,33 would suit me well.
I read 1,40
